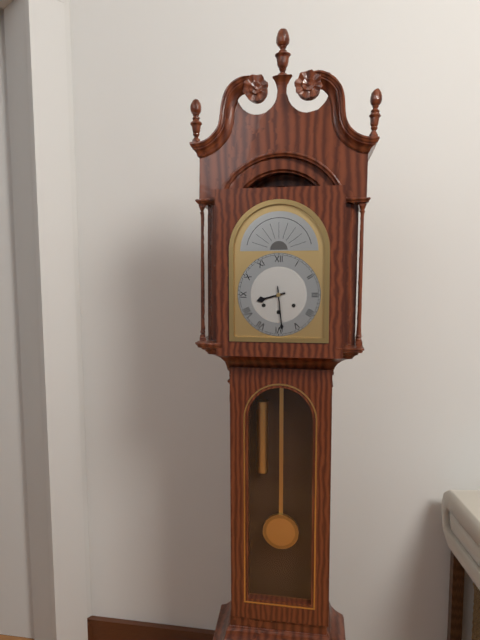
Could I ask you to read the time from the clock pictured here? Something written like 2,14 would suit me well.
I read 8,29
